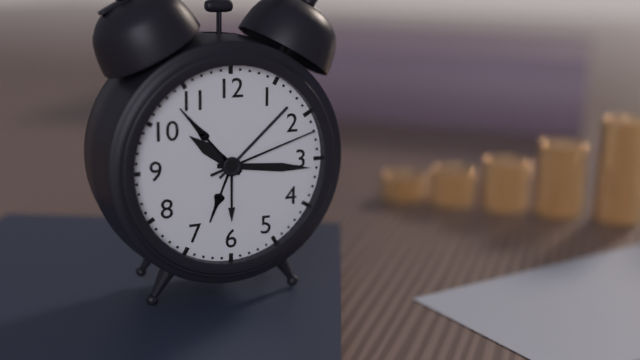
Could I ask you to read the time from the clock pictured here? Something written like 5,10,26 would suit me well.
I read 10,16,12
